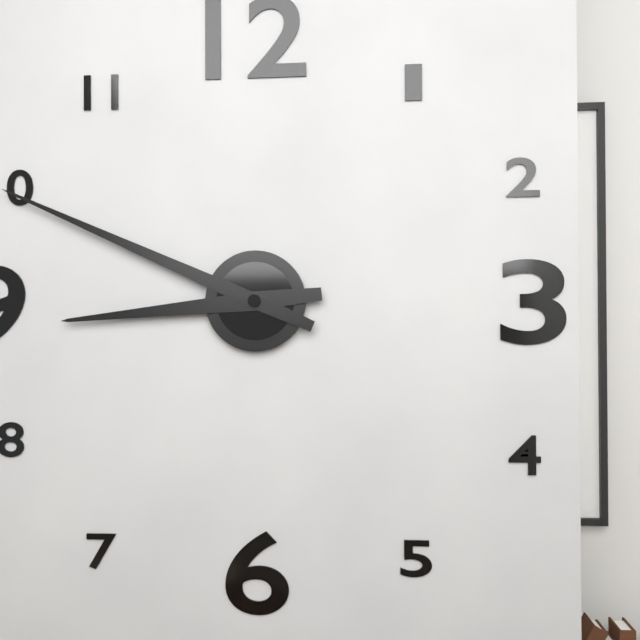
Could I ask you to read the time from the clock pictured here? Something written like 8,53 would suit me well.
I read 8,49
